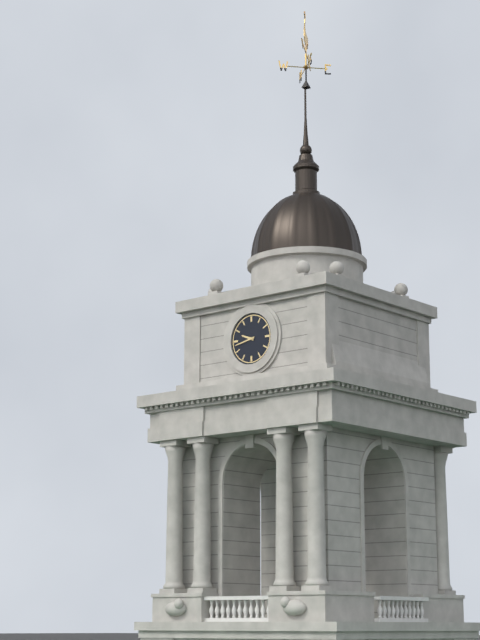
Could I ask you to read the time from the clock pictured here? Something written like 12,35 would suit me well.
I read 9,43
